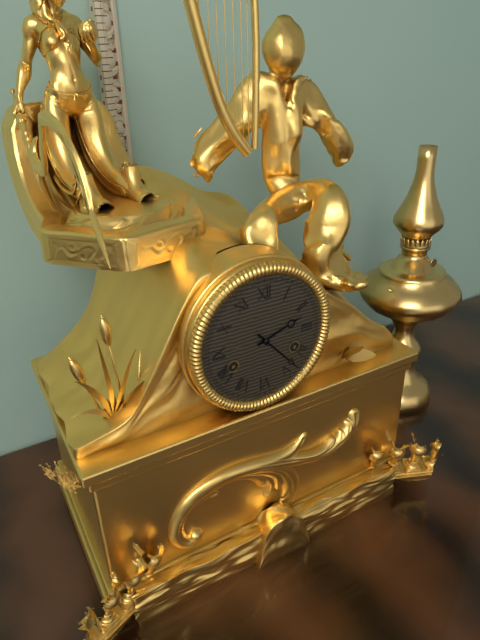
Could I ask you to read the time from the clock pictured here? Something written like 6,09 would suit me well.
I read 2,23
